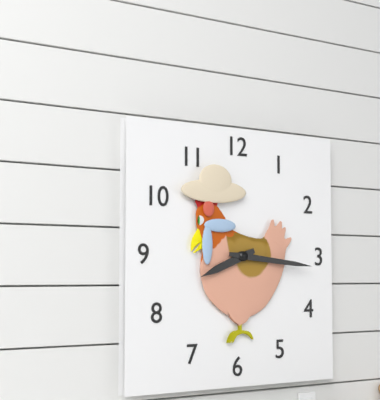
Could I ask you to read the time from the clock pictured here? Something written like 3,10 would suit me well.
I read 8,16
